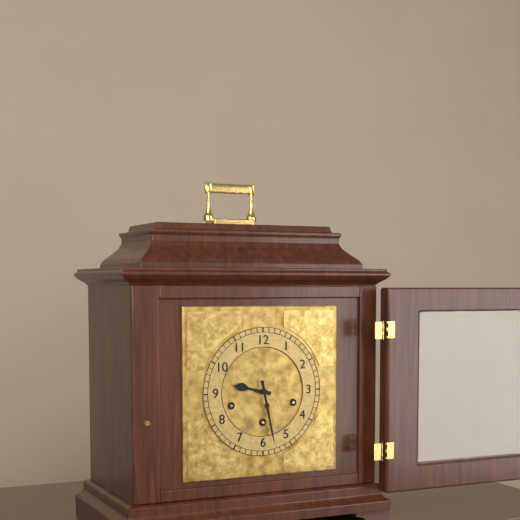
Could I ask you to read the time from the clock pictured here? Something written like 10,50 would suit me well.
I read 9,28
